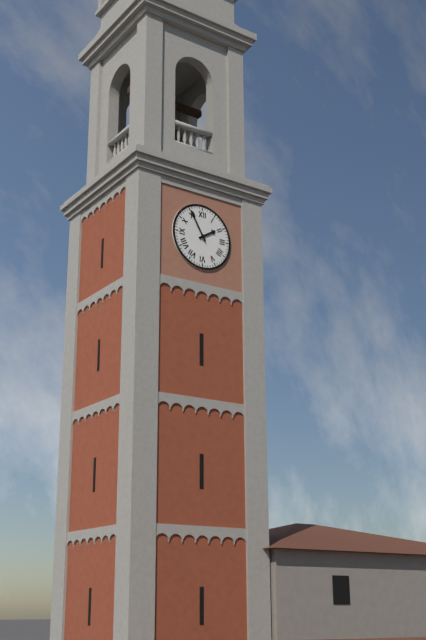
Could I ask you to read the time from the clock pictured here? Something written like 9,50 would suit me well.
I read 1,55
